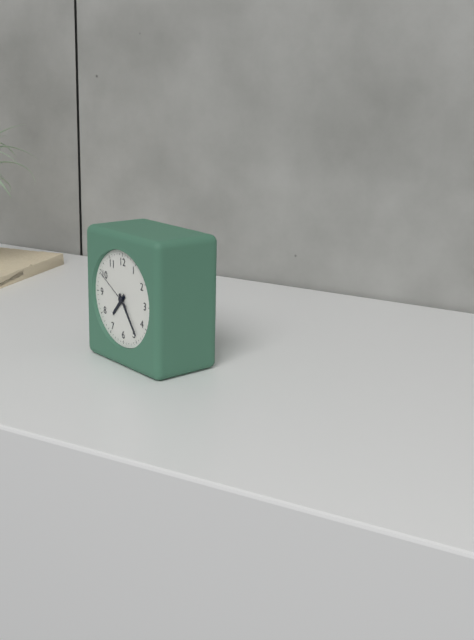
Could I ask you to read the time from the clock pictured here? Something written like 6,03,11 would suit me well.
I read 7,24,50
